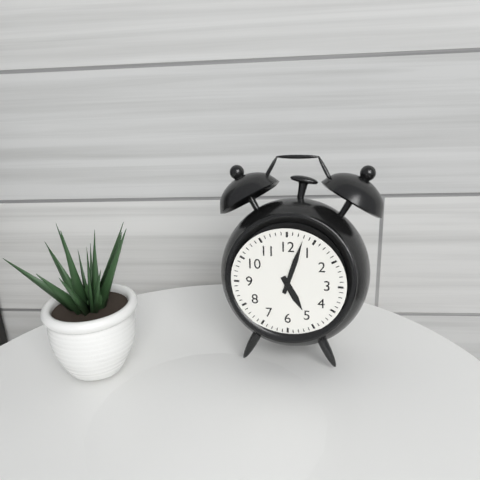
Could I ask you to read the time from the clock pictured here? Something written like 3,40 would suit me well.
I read 5,03
